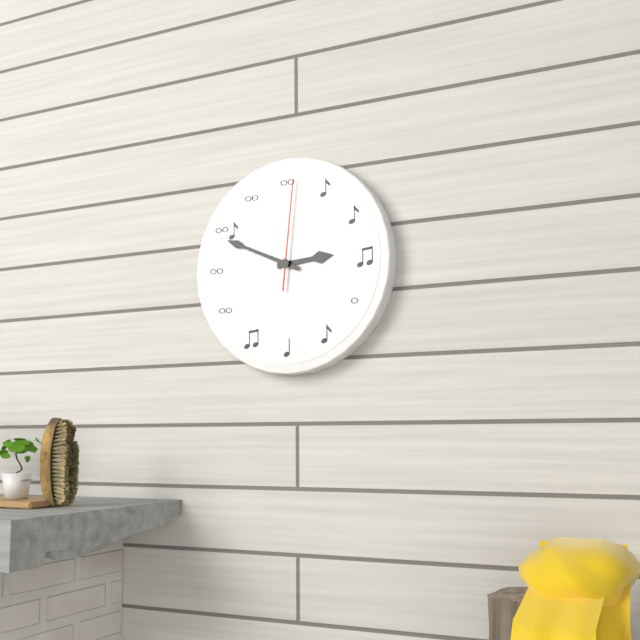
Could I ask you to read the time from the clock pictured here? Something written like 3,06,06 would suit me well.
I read 2,49,01
